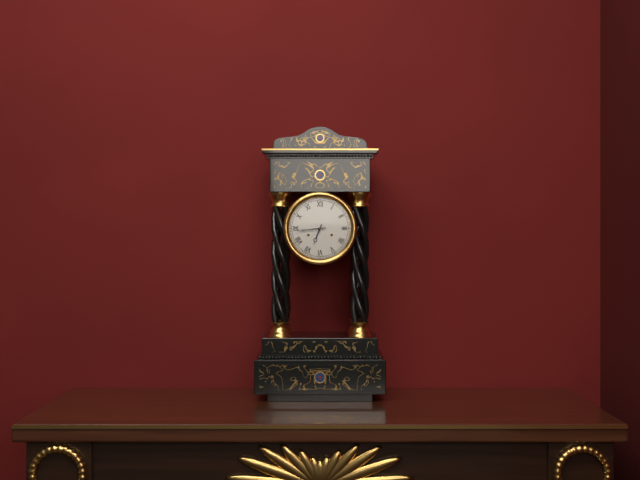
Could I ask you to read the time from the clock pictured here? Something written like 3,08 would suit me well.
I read 6,44
